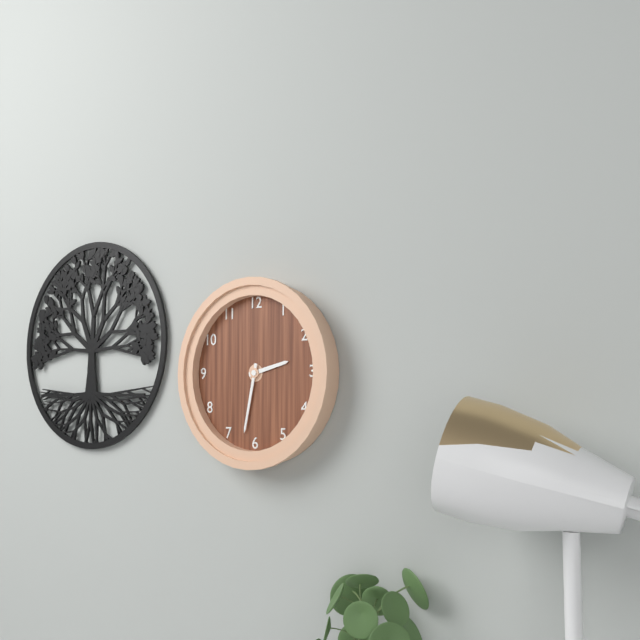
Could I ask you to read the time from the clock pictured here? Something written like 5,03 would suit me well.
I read 2,32
